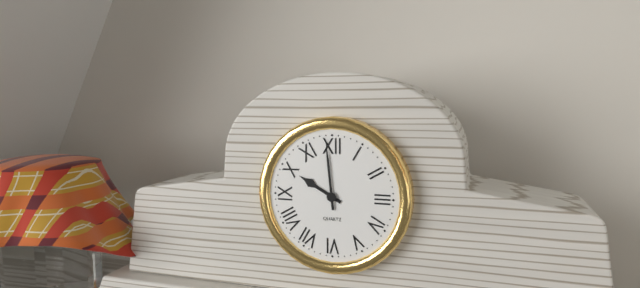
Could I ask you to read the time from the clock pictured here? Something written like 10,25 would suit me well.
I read 9,59
